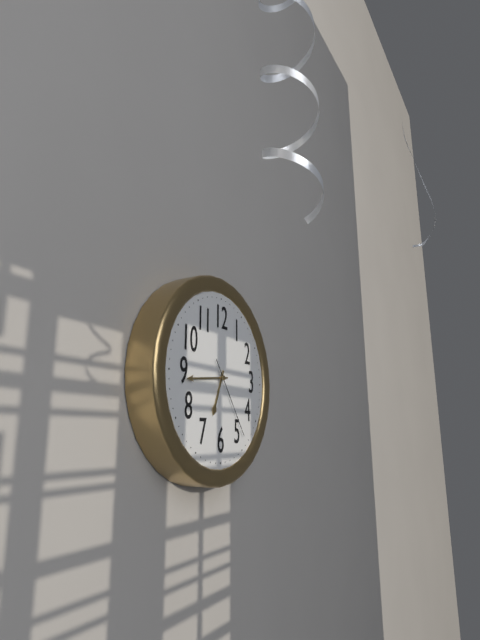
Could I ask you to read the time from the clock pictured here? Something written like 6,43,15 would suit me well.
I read 6,44,24
